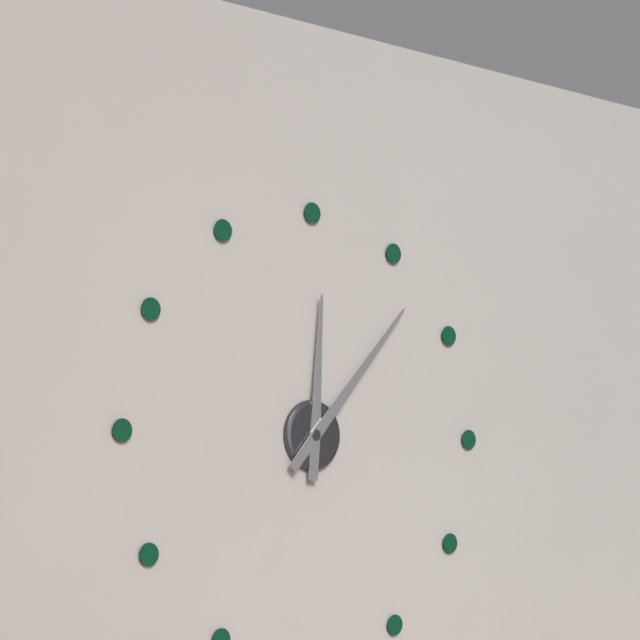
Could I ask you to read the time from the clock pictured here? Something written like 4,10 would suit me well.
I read 12,07
